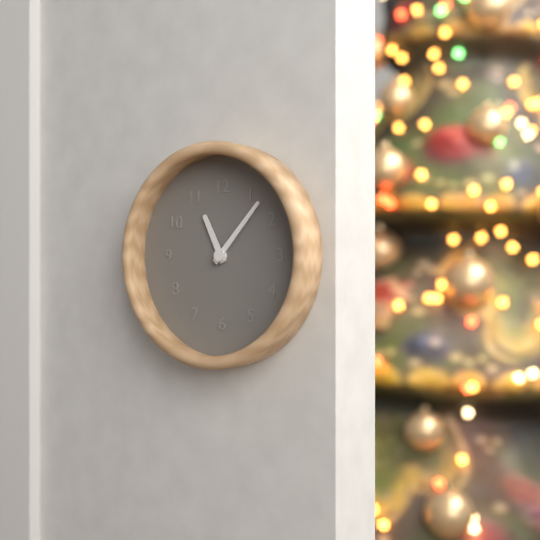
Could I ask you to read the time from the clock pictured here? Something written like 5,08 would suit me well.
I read 11,07
